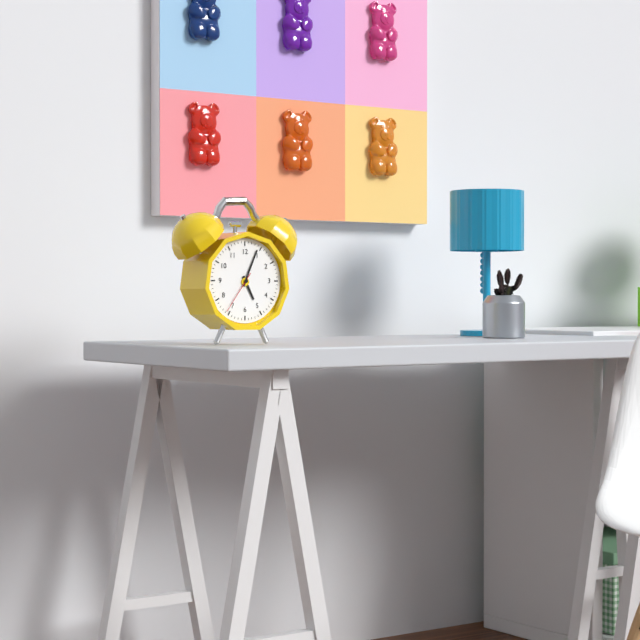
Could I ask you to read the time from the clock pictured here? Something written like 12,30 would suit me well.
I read 5,04
